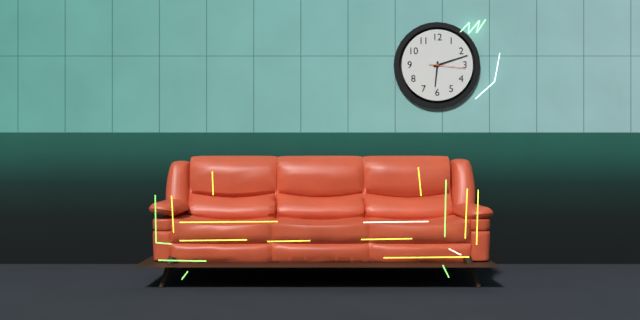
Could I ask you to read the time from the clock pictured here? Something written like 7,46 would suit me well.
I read 6,12
